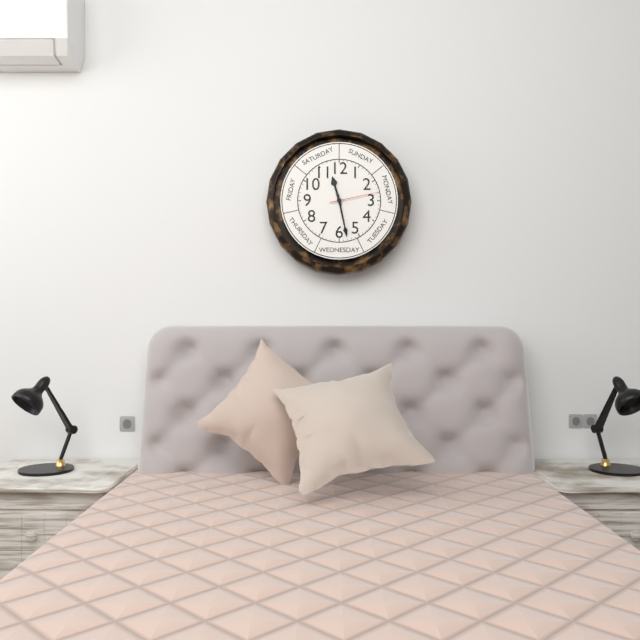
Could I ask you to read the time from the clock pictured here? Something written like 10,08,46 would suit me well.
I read 11,28,13
